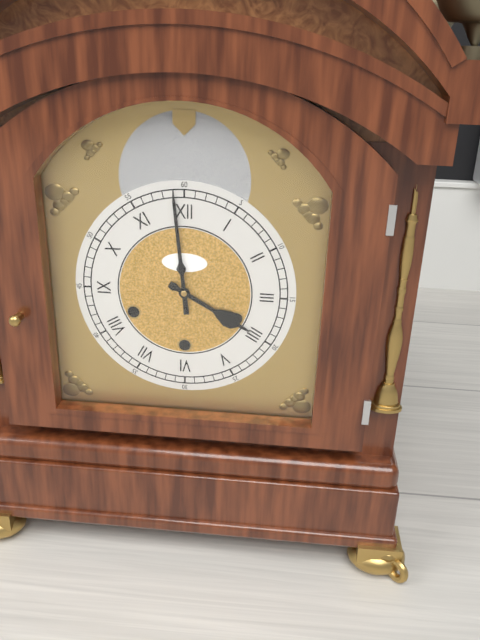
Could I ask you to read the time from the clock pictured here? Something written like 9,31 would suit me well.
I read 3,59
